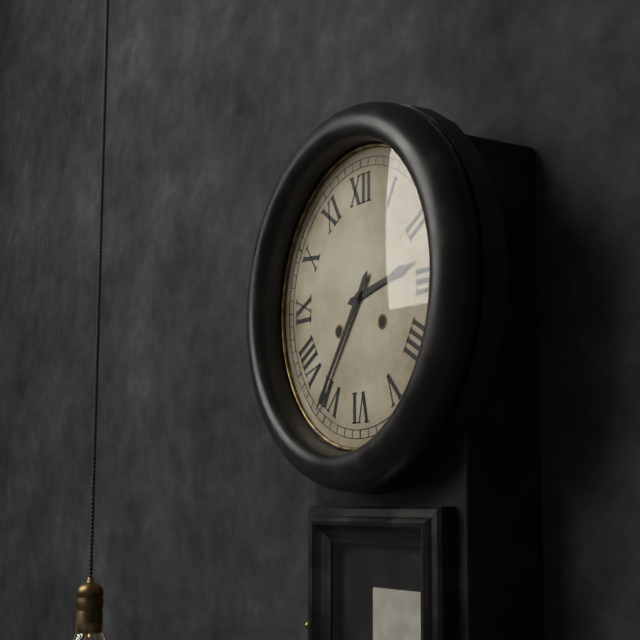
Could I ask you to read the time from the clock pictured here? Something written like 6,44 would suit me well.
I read 2,36
